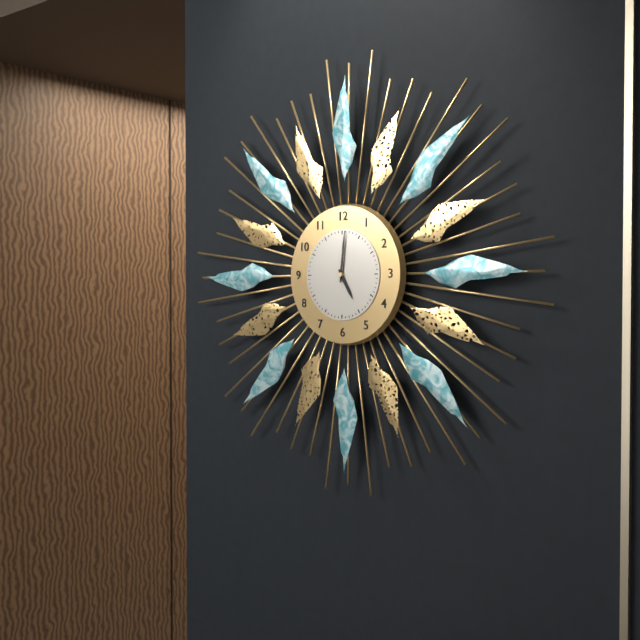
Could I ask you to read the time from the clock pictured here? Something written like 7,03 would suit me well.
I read 5,01
